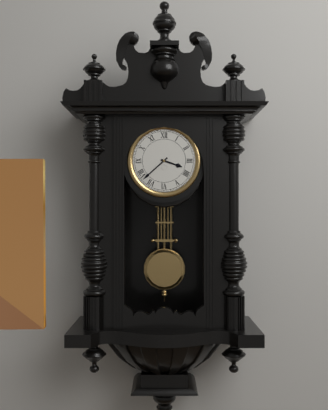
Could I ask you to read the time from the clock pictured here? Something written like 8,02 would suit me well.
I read 3,38
